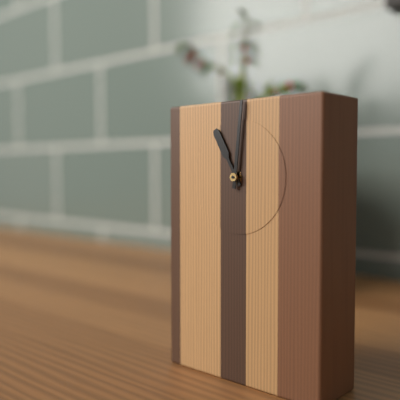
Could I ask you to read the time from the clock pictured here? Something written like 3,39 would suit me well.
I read 11,01
